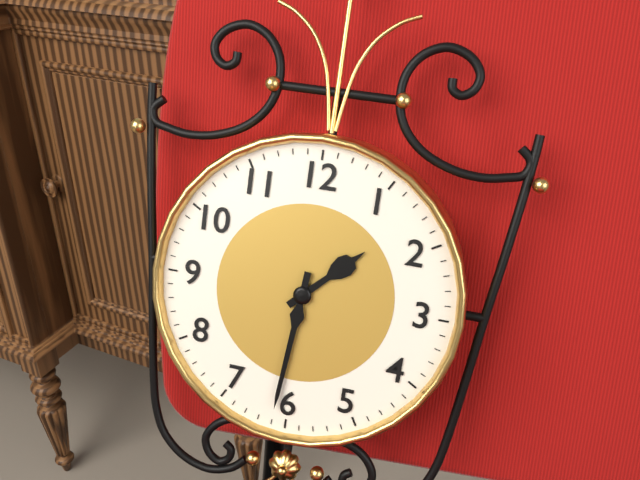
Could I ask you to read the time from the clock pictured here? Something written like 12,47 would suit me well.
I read 1,31
